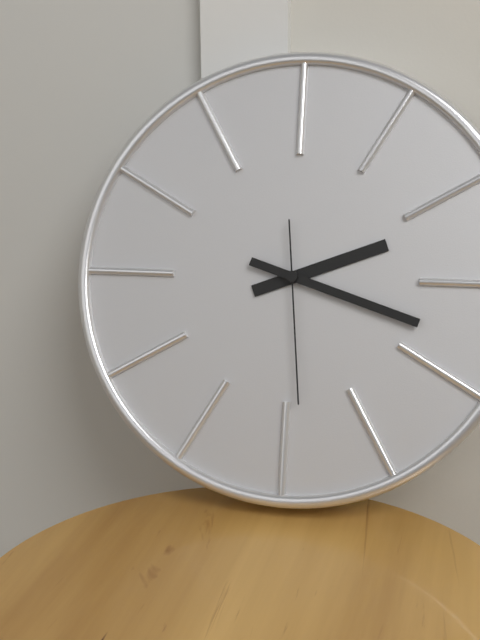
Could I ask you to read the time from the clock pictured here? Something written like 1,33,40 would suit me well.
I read 2,18,29
